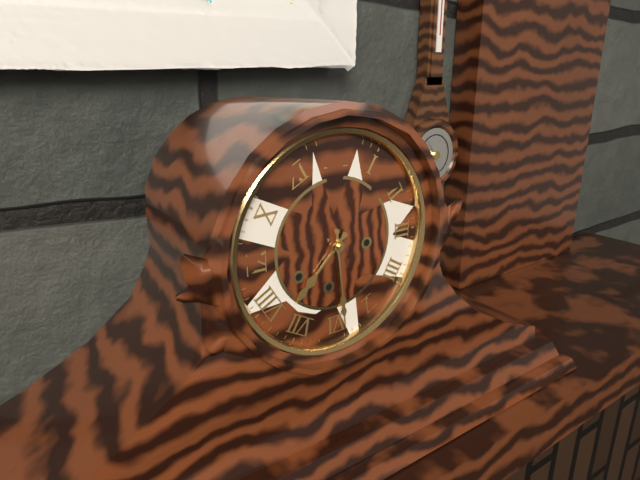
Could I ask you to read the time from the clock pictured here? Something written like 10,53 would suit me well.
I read 7,29
